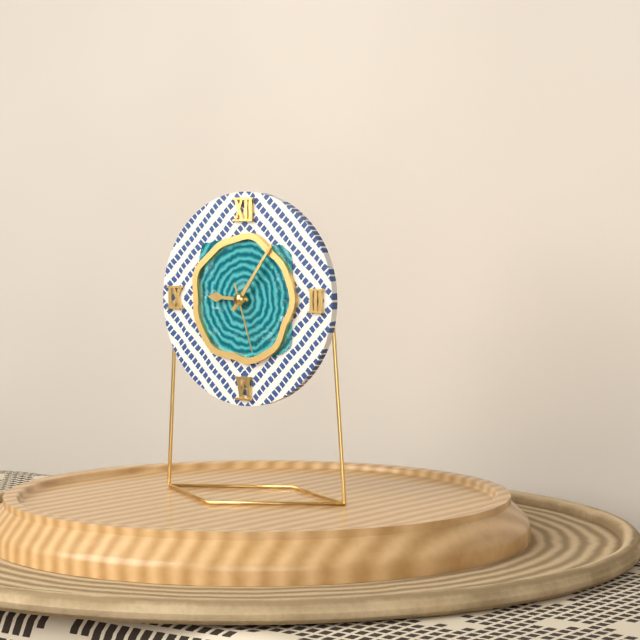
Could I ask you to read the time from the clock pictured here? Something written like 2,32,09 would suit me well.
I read 9,06,27
